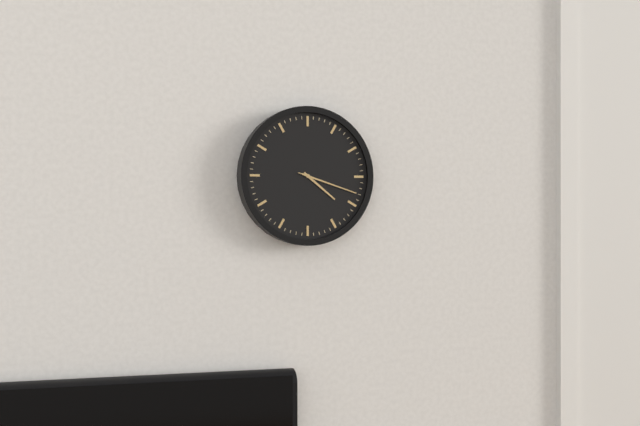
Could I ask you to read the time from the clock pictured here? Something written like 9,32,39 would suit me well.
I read 4,18,18
